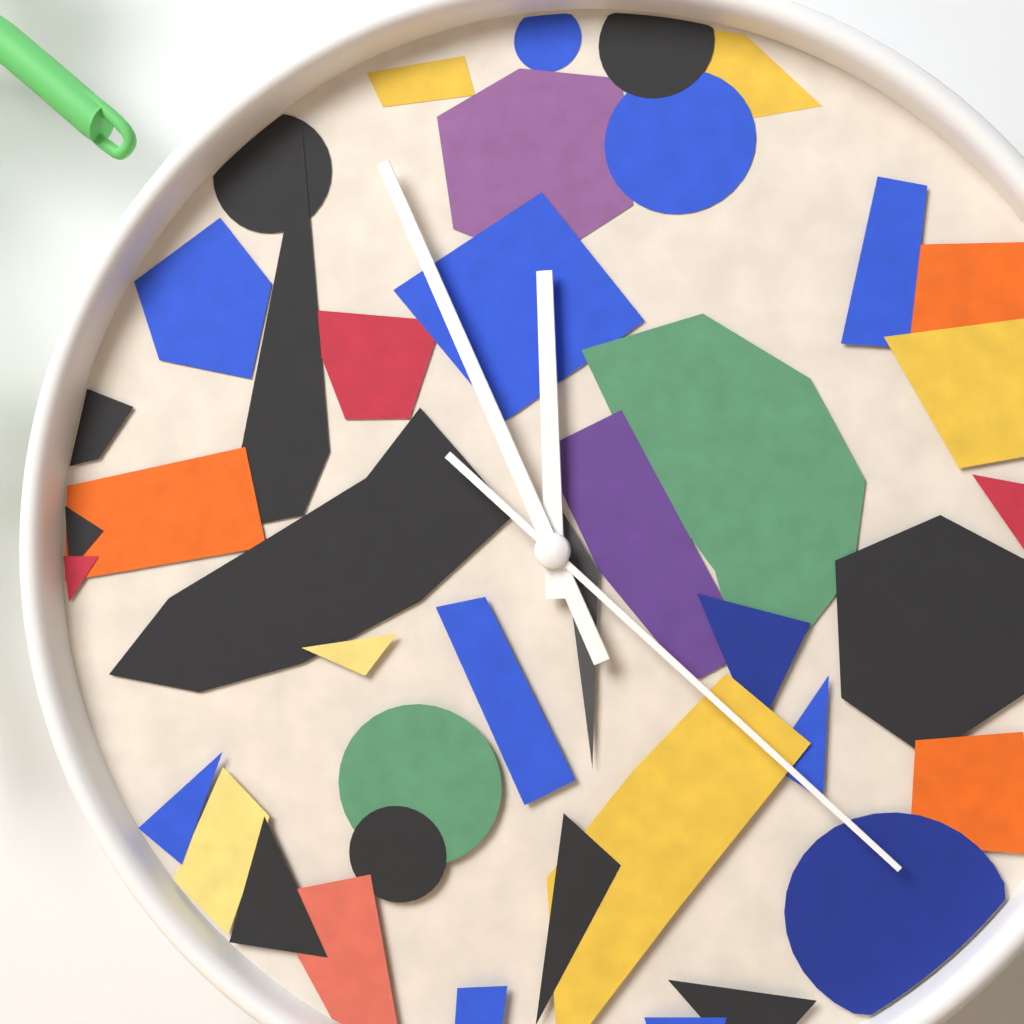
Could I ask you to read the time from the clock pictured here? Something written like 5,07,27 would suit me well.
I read 11,56,22
